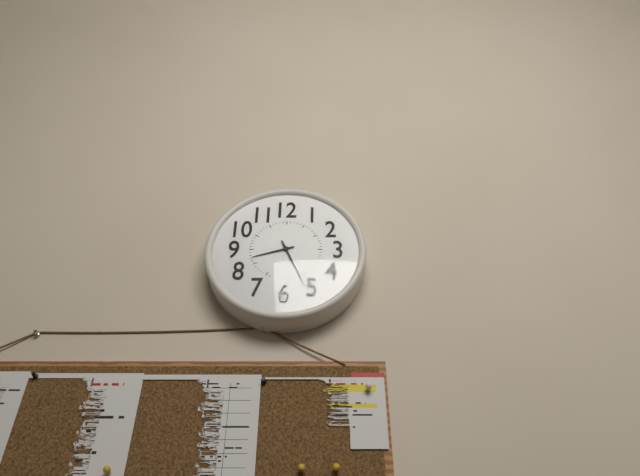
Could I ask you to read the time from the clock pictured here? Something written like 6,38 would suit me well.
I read 8,26
